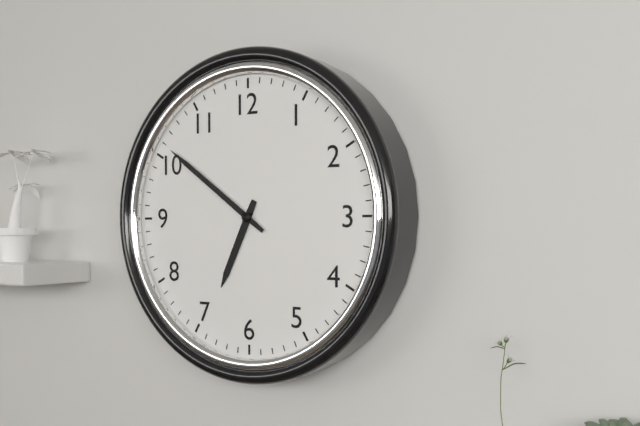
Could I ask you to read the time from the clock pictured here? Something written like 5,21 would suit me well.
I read 6,51
